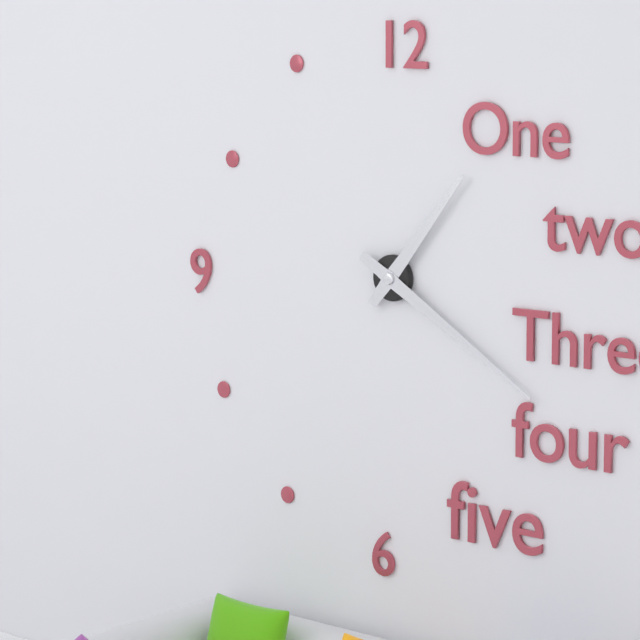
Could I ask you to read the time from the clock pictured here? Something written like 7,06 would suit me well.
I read 1,20
